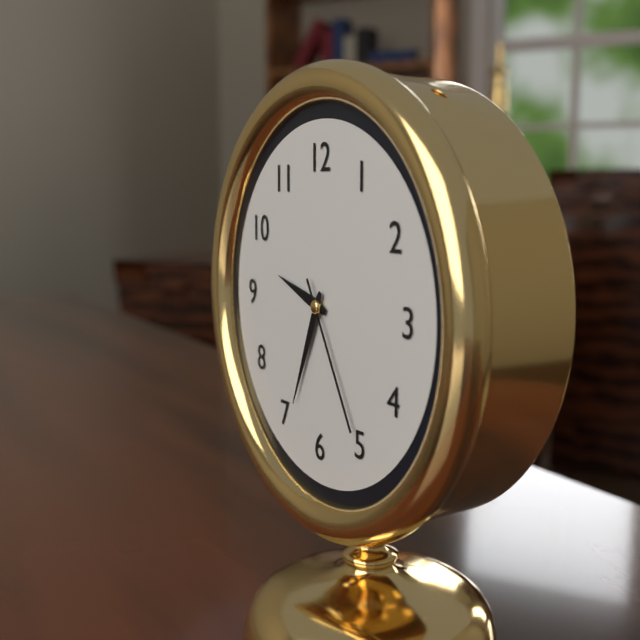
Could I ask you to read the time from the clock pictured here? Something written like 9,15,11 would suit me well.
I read 9,34,25
